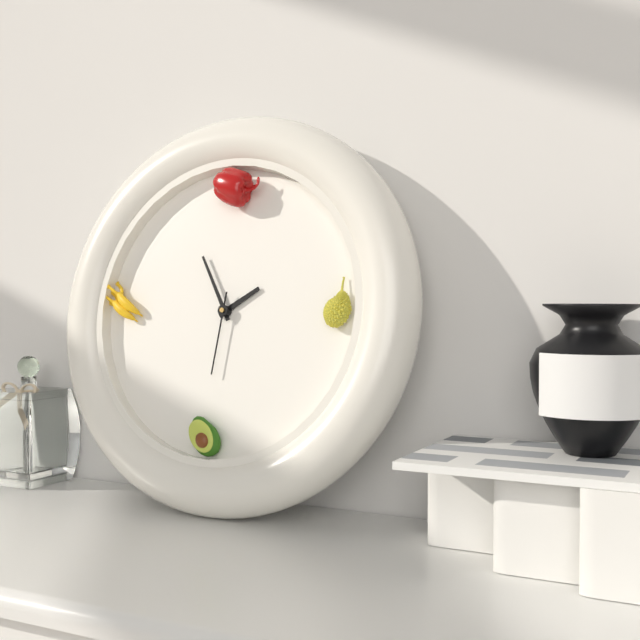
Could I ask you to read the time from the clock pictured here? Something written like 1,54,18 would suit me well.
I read 1,55,31
